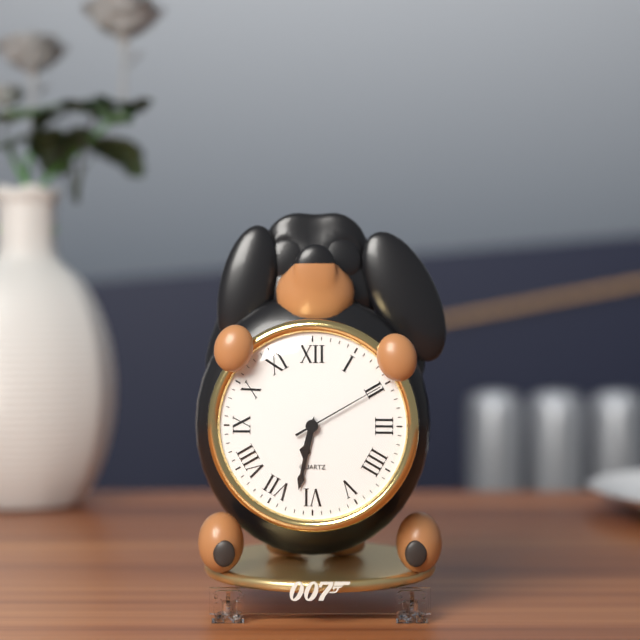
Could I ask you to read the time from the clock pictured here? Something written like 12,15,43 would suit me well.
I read 6,32,10
